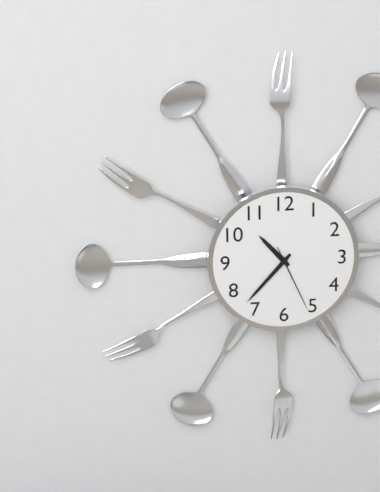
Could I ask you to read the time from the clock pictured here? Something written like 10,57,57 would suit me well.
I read 10,37,26
